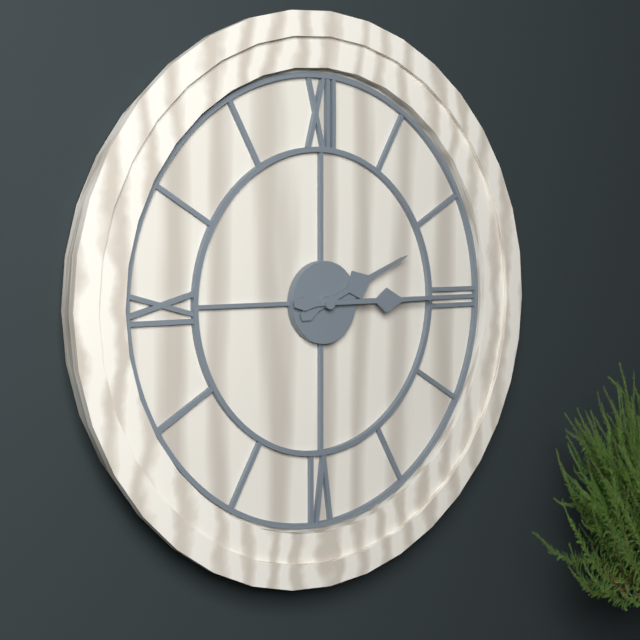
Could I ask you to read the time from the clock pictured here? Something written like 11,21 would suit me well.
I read 2,15
